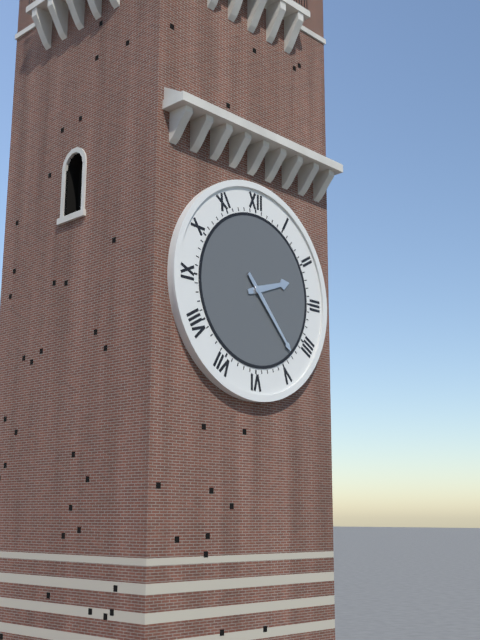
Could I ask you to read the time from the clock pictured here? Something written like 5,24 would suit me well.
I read 2,23
